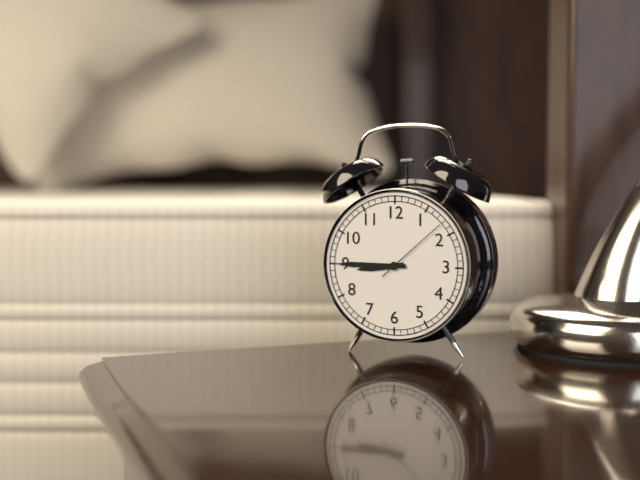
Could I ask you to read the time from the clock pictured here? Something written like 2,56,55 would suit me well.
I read 8,45,08
